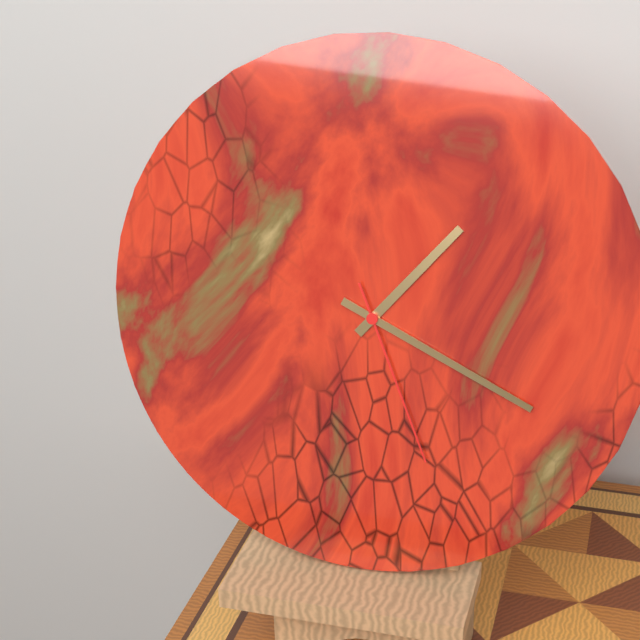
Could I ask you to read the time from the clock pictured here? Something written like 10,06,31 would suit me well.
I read 1,19,26
